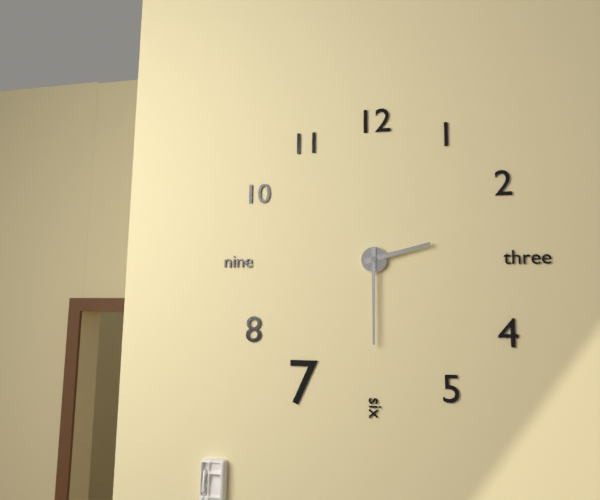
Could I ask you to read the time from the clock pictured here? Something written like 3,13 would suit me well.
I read 2,30
